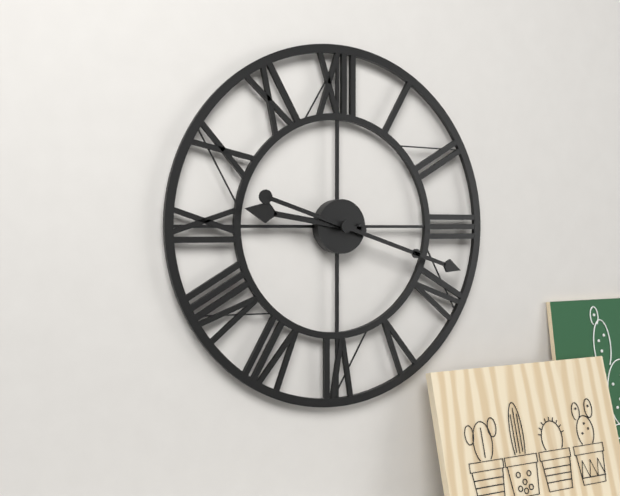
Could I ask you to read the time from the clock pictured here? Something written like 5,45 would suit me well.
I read 9,18
